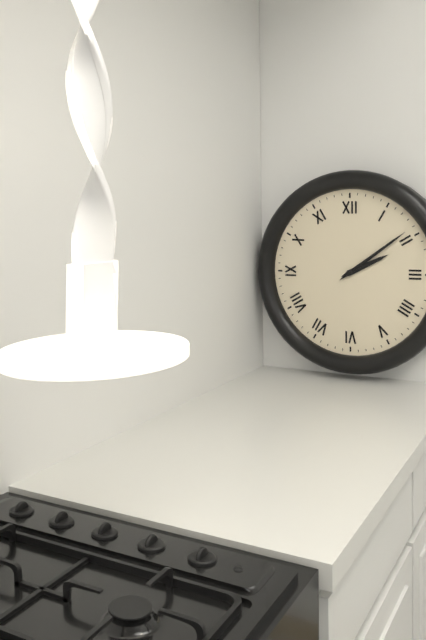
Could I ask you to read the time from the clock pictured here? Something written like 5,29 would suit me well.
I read 2,09
